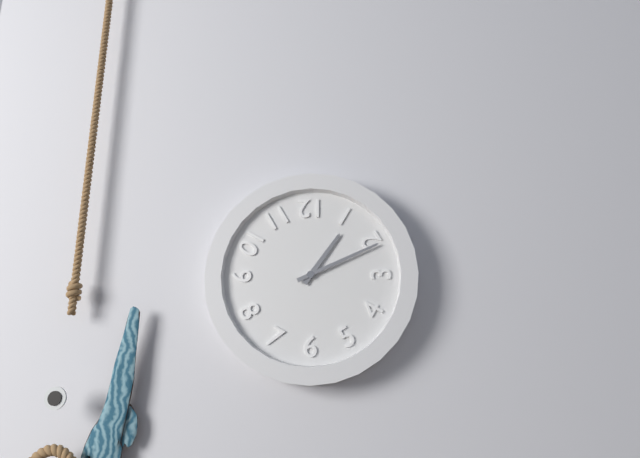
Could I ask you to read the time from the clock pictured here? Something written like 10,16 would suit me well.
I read 1,11
